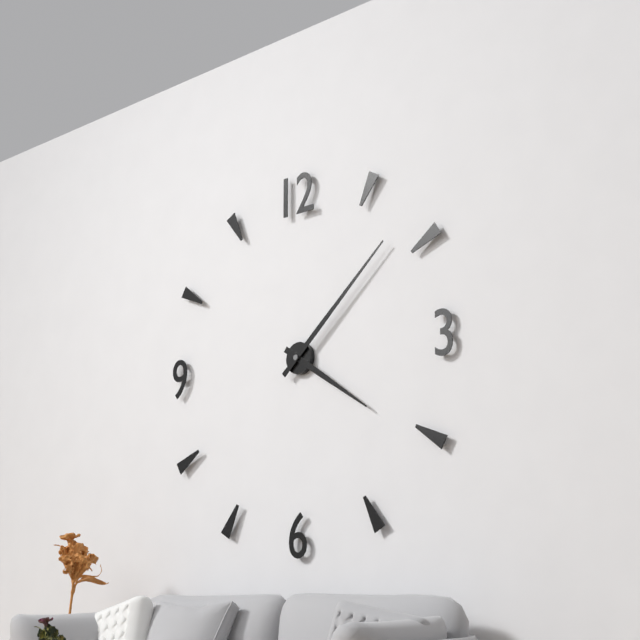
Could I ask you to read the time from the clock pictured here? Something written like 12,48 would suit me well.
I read 4,08
